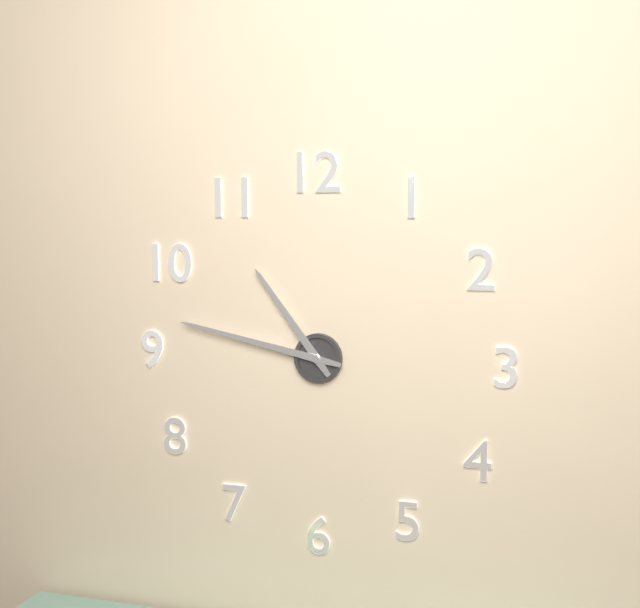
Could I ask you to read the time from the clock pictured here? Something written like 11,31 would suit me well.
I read 10,47
